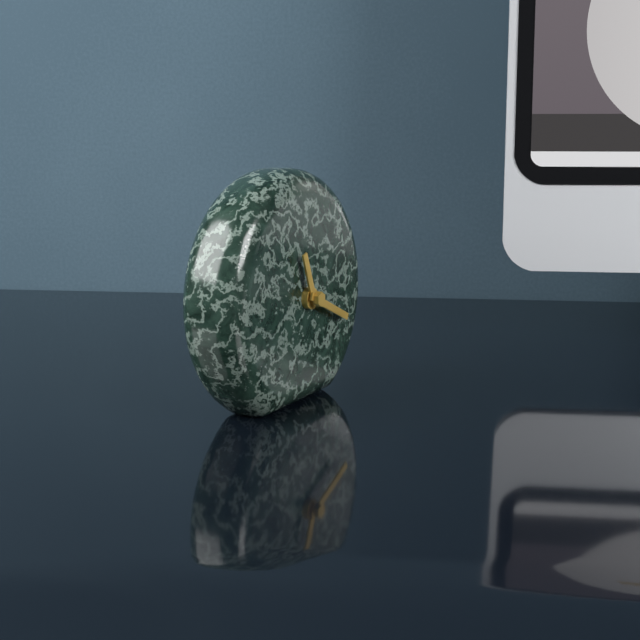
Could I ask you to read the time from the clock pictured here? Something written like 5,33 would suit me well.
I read 11,19
